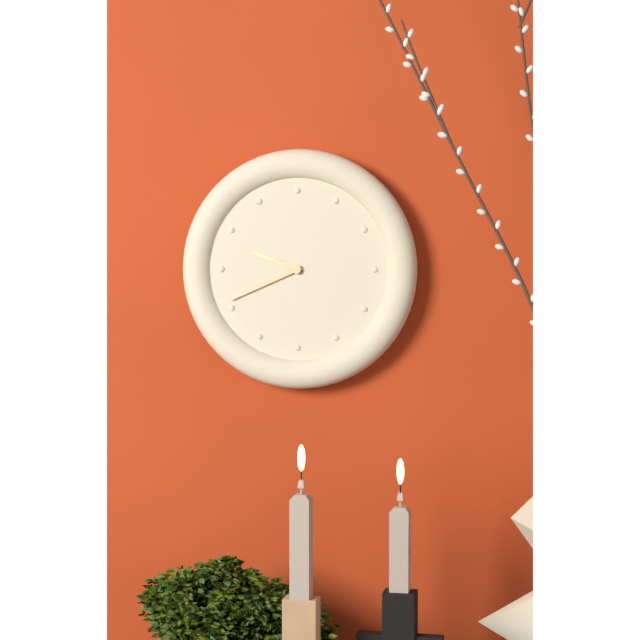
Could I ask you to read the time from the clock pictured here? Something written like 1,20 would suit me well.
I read 9,41
